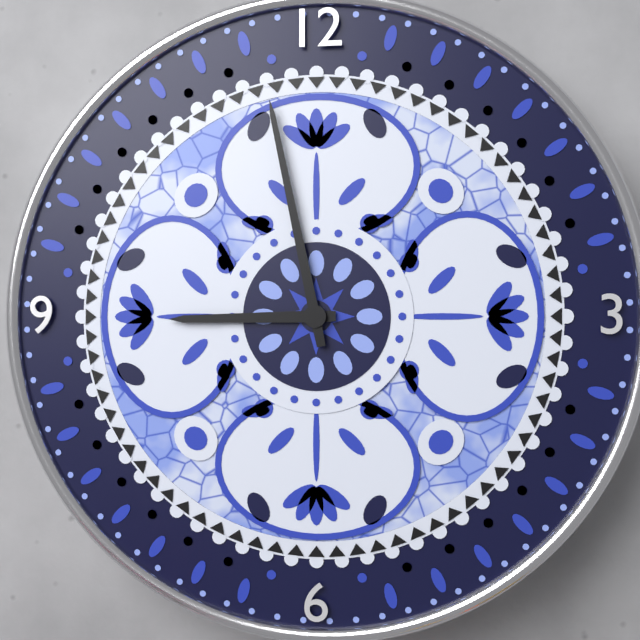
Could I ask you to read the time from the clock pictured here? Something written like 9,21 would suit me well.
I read 8,58
